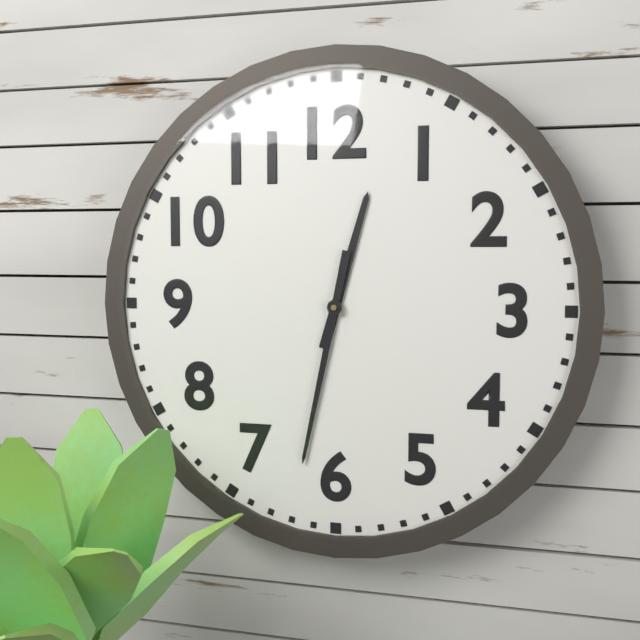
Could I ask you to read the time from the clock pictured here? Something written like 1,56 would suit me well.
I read 12,32
